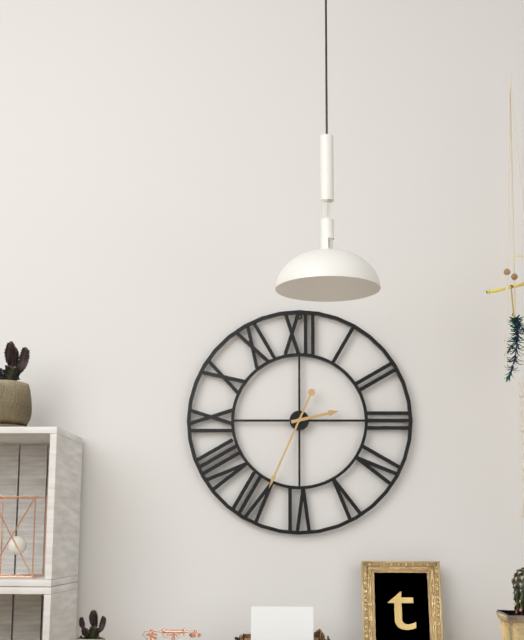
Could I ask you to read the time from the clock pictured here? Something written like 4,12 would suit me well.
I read 2,34
